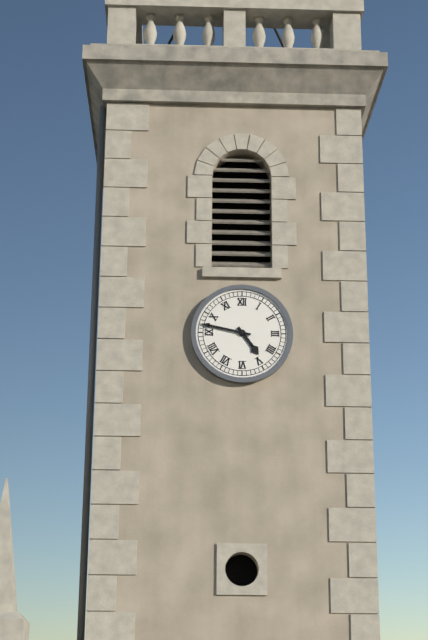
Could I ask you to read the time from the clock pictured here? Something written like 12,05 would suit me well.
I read 4,47
